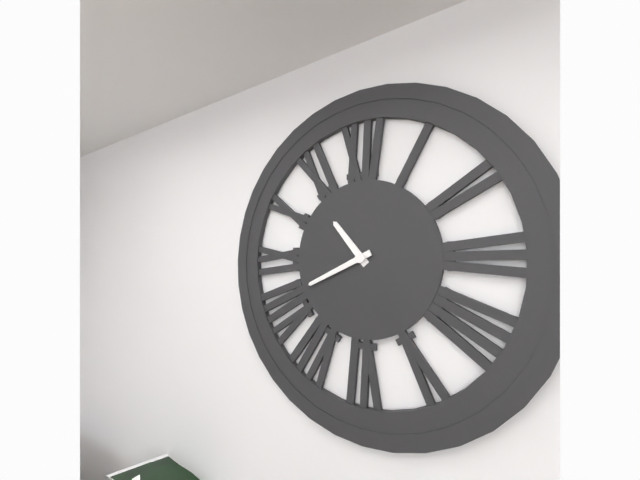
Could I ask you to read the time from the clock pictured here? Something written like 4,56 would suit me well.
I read 10,41
